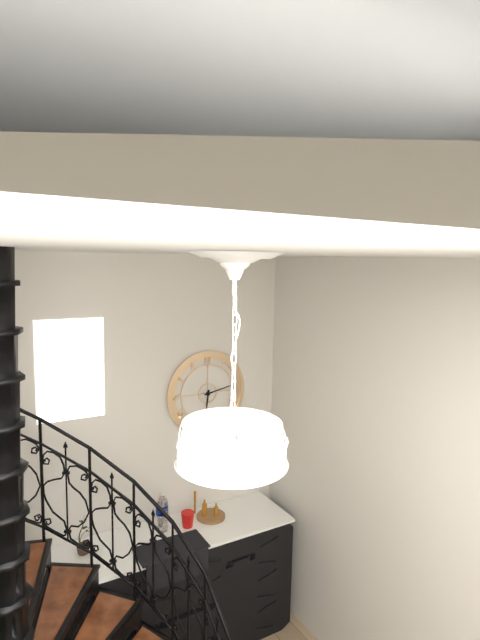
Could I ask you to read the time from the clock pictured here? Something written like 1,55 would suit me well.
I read 6,13
